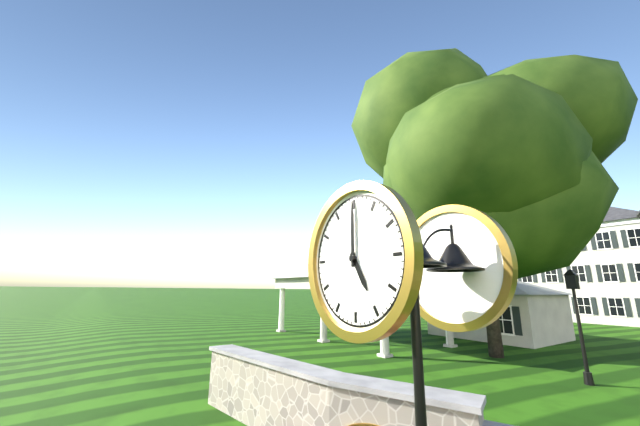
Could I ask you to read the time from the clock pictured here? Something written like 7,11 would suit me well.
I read 5,00
